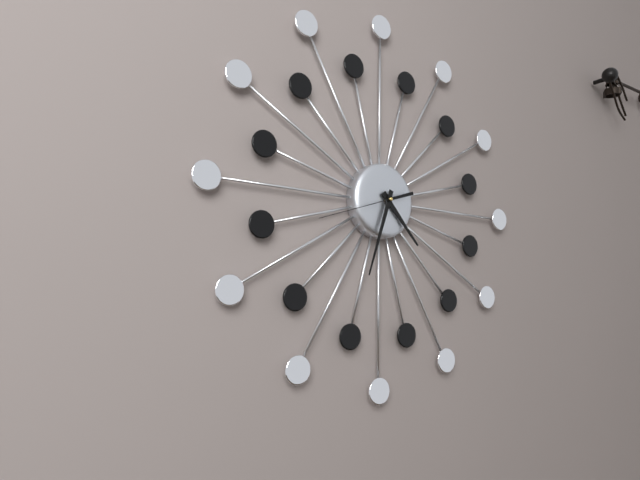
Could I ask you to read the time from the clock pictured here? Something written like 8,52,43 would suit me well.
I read 4,33,42
